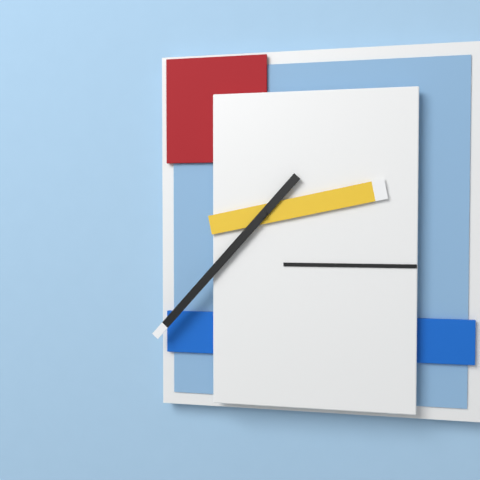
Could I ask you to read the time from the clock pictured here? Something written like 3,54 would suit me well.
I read 2,37
